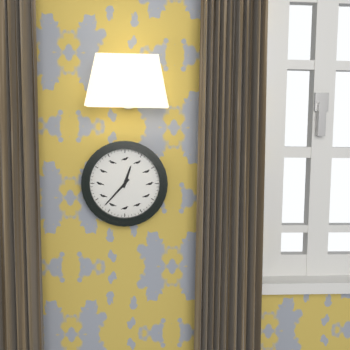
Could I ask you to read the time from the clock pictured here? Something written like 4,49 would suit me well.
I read 12,37
